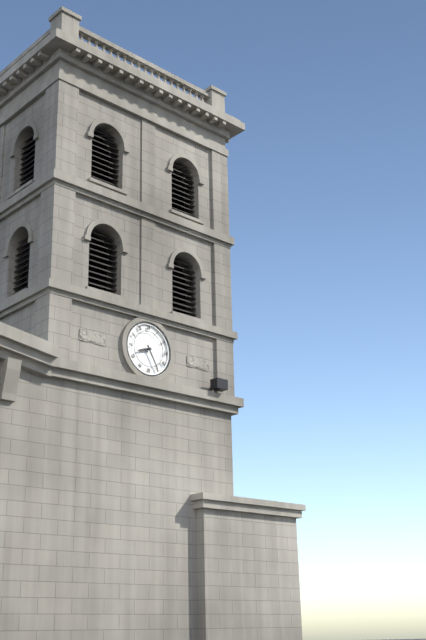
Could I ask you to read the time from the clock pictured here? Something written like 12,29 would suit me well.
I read 8,25
